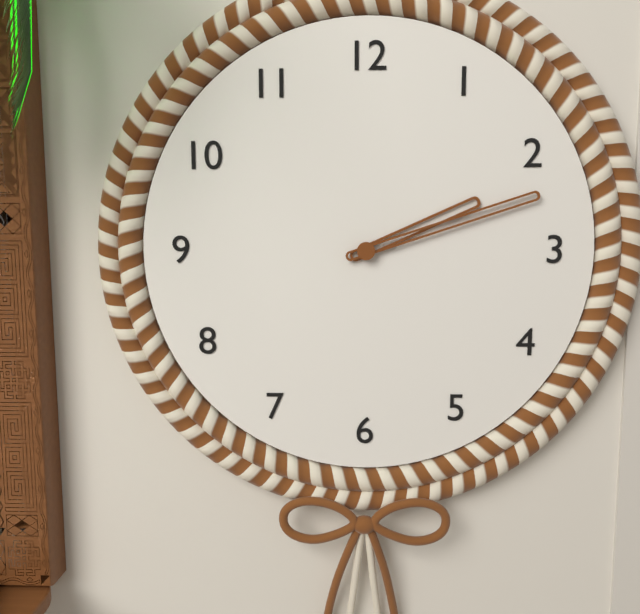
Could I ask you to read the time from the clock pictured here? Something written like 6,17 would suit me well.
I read 2,12
